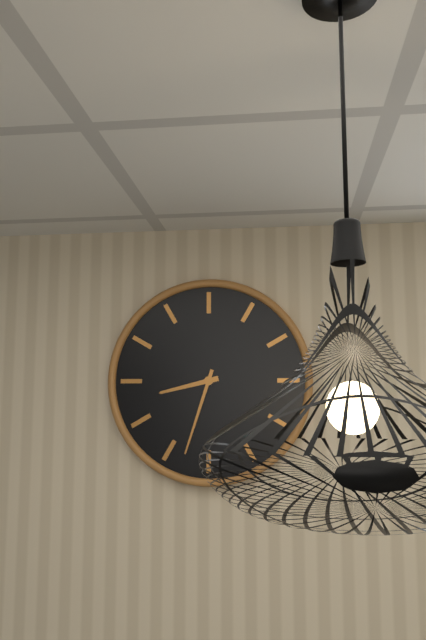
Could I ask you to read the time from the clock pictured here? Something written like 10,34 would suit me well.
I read 8,33
